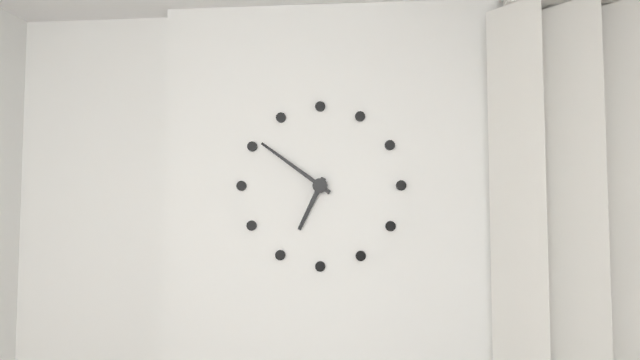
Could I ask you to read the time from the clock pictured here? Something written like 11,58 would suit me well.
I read 6,51
